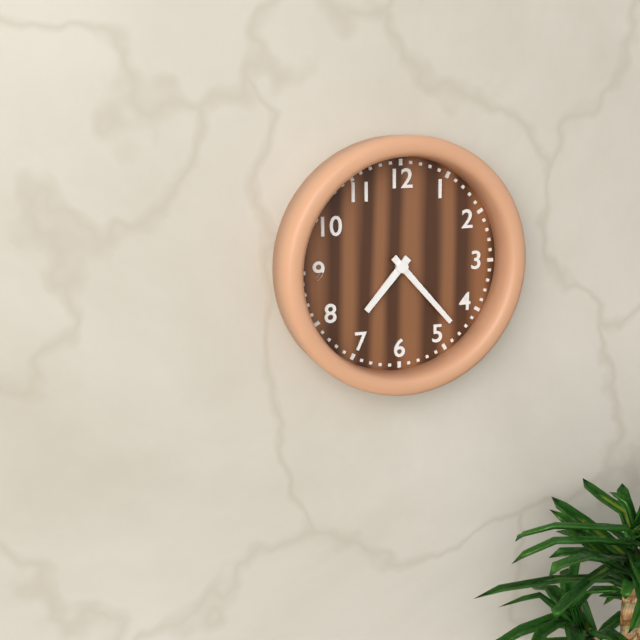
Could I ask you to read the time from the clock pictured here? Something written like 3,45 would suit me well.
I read 7,23
